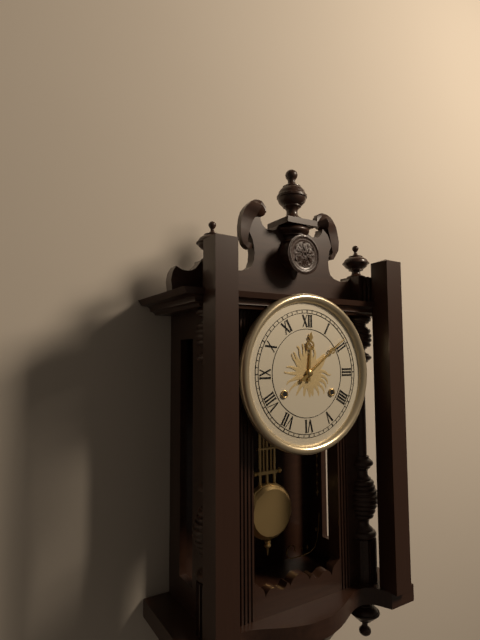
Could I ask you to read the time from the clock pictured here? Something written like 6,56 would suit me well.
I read 12,09
